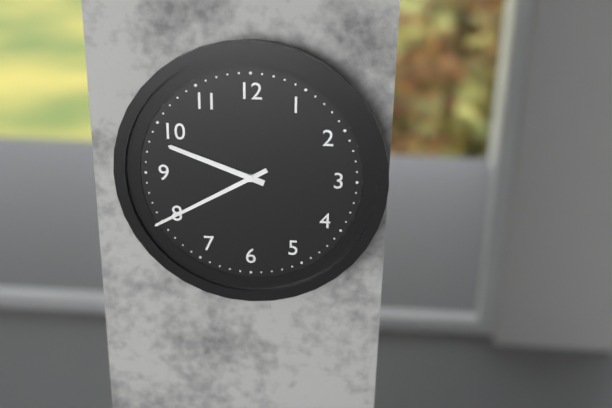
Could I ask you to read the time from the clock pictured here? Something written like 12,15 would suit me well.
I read 9,40
